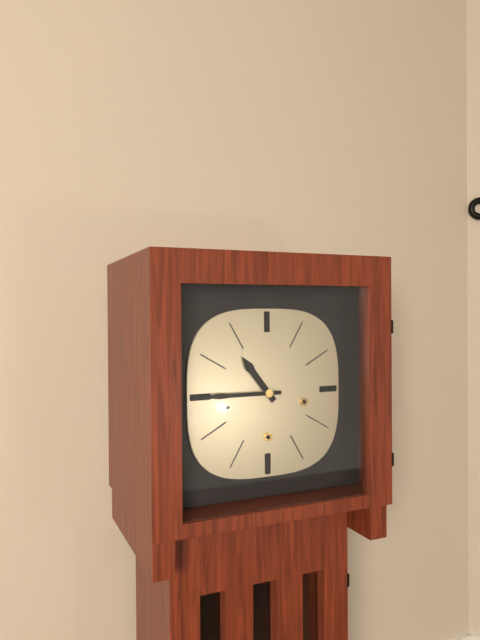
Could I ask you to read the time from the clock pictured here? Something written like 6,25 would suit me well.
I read 10,45
